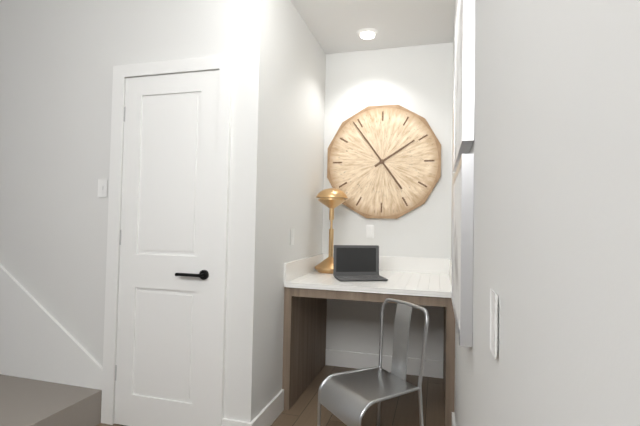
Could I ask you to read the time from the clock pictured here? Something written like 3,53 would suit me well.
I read 1,54
